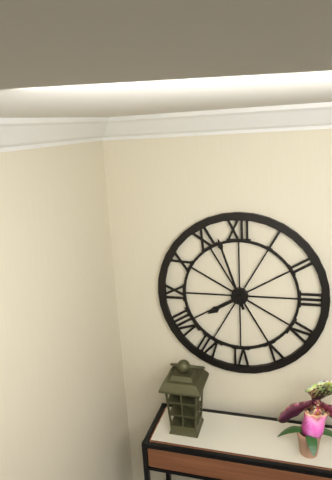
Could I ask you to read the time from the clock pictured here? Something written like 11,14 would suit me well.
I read 7,57
